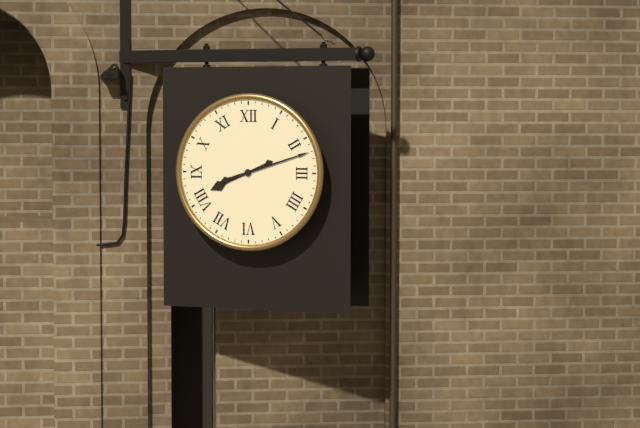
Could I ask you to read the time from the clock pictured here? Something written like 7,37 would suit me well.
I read 8,12
